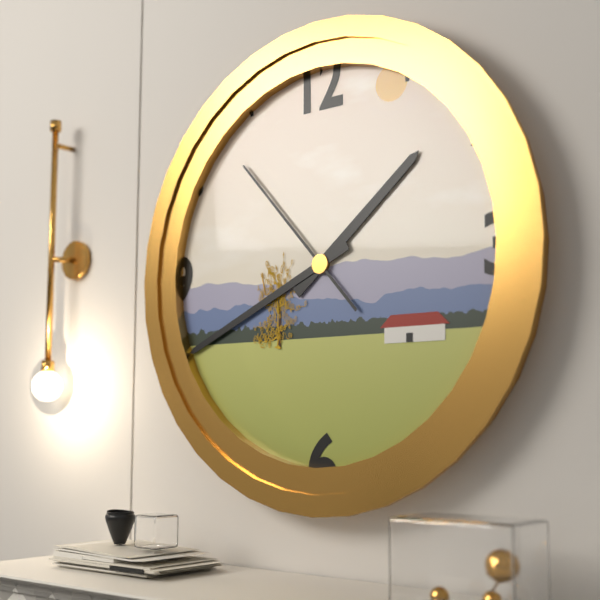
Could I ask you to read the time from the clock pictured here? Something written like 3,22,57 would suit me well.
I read 1,41,53
